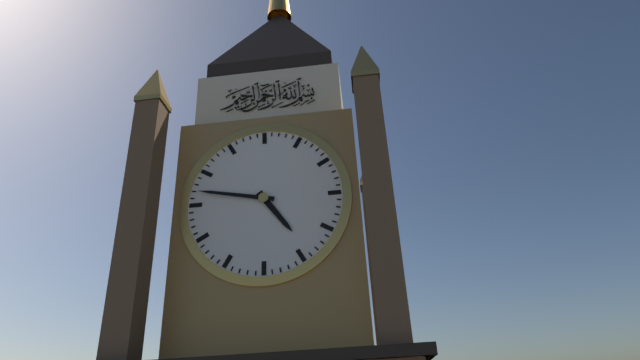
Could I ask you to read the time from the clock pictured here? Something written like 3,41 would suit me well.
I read 4,47
